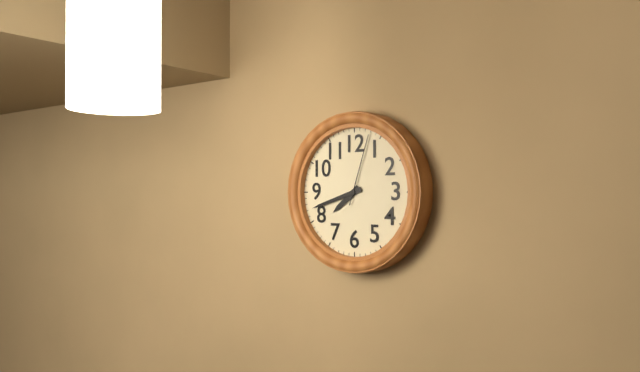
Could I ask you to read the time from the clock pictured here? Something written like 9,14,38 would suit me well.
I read 7,42,03
